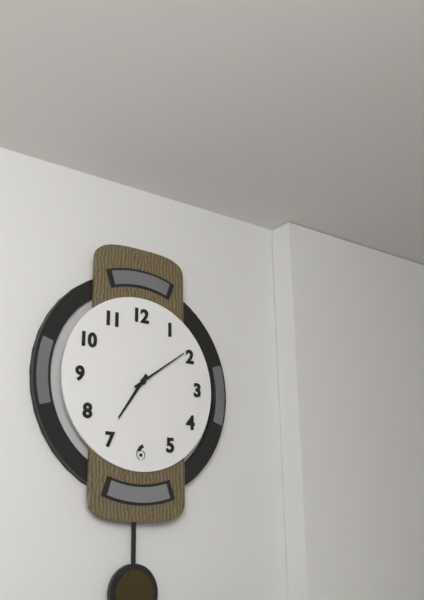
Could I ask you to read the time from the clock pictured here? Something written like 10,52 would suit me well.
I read 7,09
